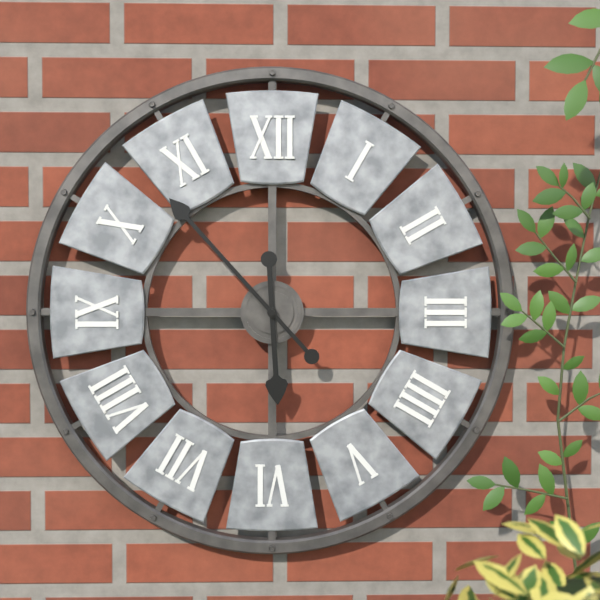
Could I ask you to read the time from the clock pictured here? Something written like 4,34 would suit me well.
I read 5,53
